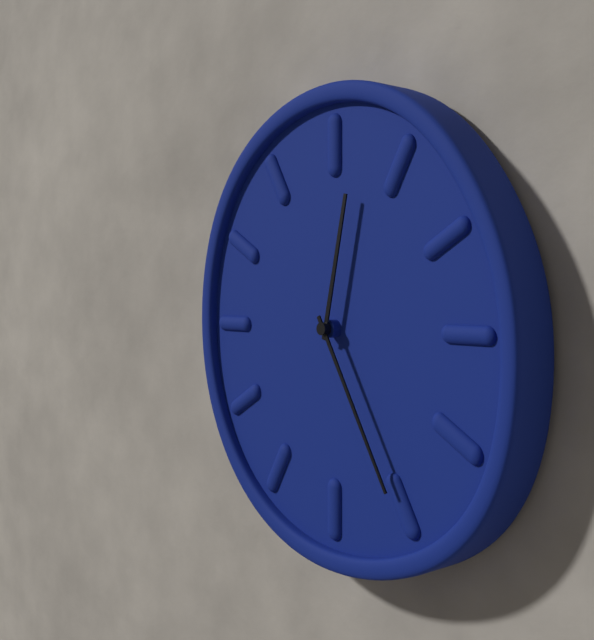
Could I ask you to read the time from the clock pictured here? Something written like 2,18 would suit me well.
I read 12,25
